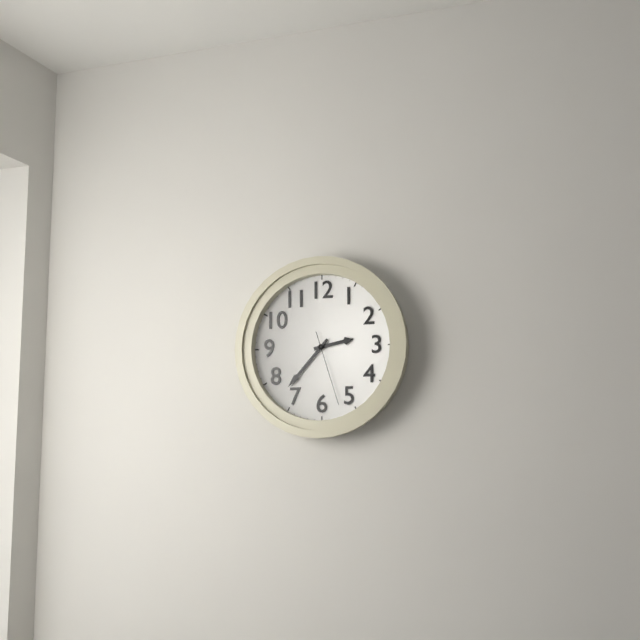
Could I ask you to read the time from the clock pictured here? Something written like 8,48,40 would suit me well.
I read 2,37,27
